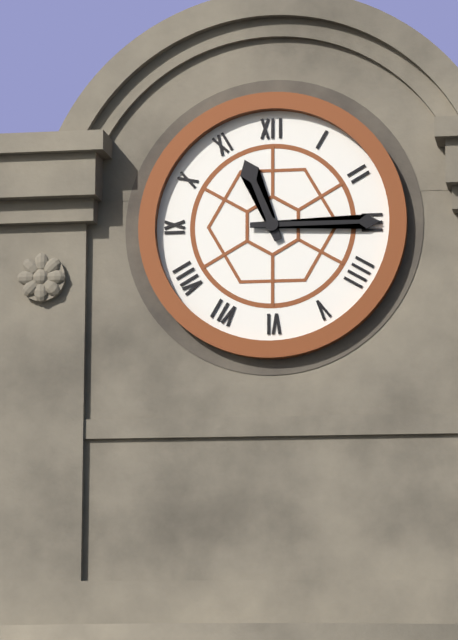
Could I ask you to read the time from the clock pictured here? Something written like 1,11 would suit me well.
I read 11,15
